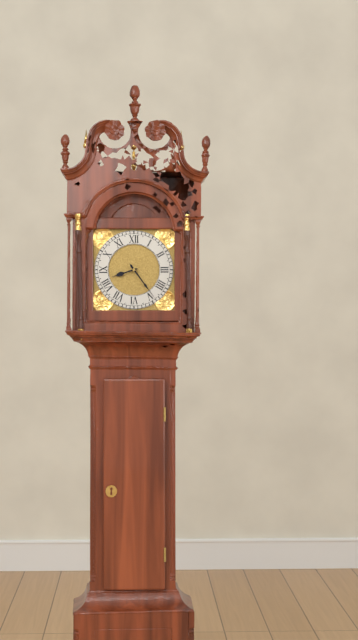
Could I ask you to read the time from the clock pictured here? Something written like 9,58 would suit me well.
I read 8,24
